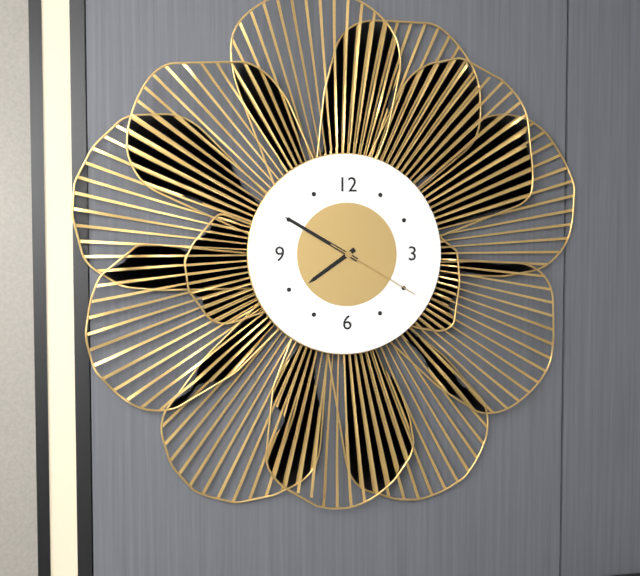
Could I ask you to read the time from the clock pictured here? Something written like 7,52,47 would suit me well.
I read 7,50,20
